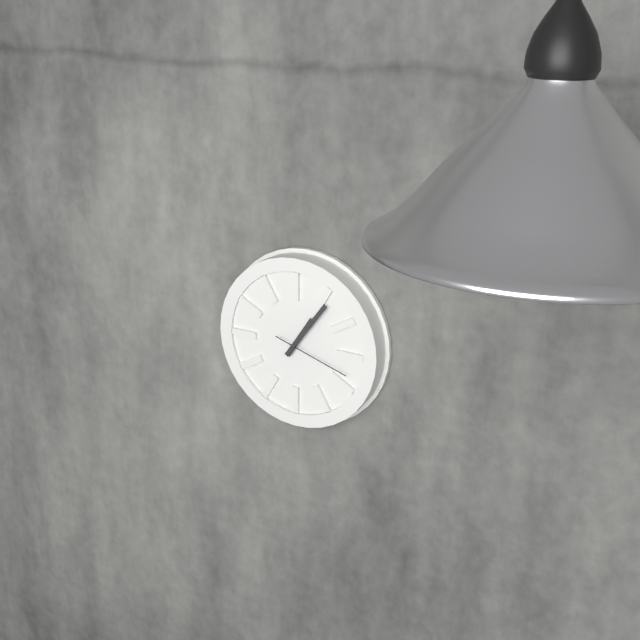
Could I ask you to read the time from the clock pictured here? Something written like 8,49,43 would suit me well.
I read 1,06,18
